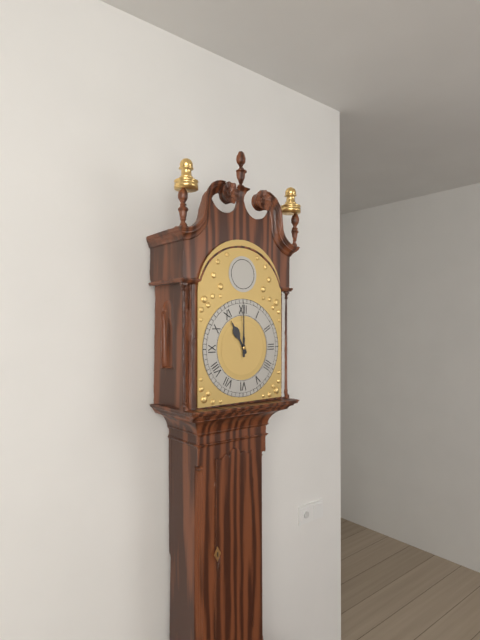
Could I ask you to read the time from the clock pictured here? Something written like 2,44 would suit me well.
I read 11,00
